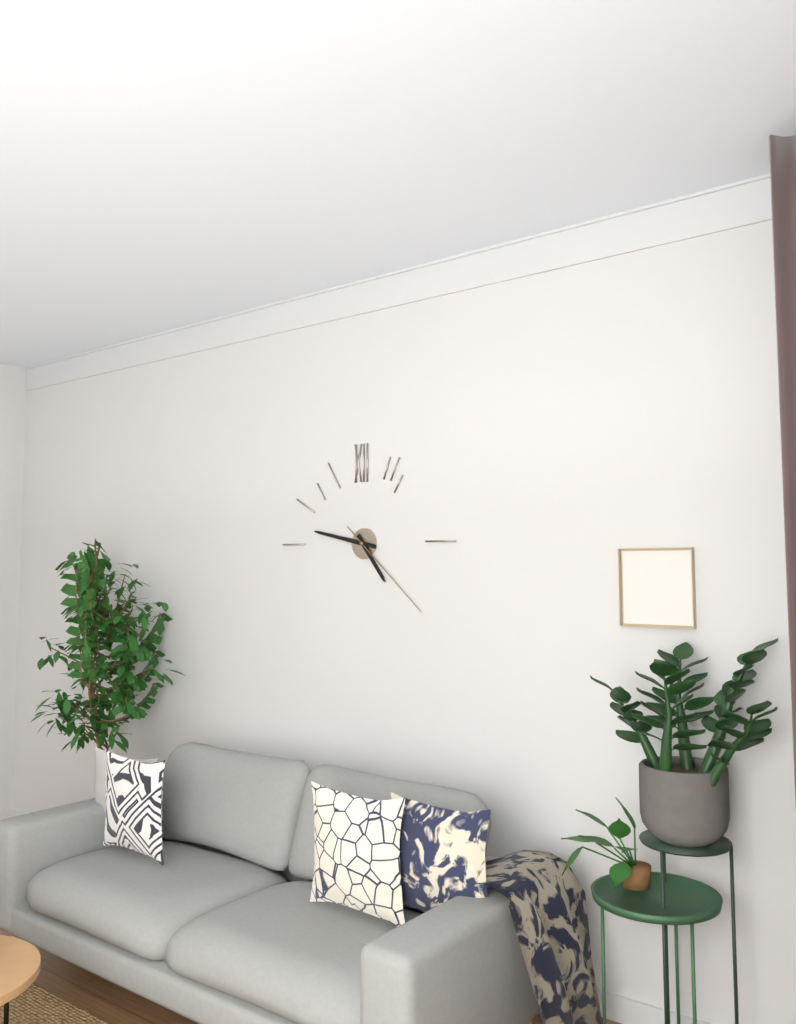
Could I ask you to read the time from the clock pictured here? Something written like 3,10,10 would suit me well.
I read 4,47,22
